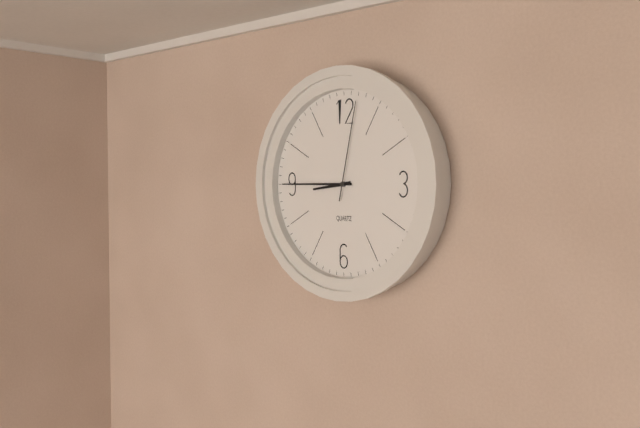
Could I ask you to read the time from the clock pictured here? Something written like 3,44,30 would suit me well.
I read 8,45,02
